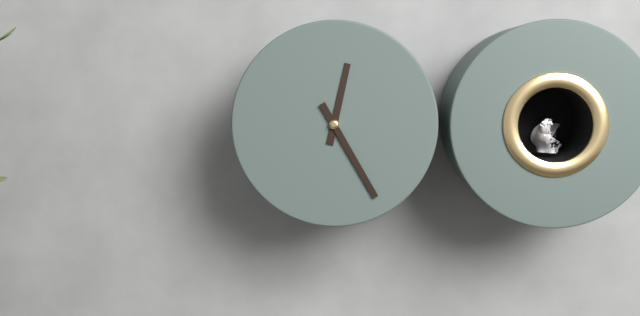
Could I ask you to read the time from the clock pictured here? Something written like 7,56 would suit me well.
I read 12,25
